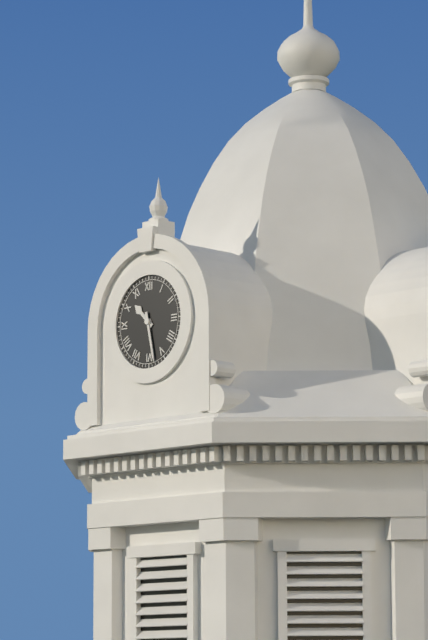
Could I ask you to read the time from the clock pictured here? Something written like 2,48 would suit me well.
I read 10,28
